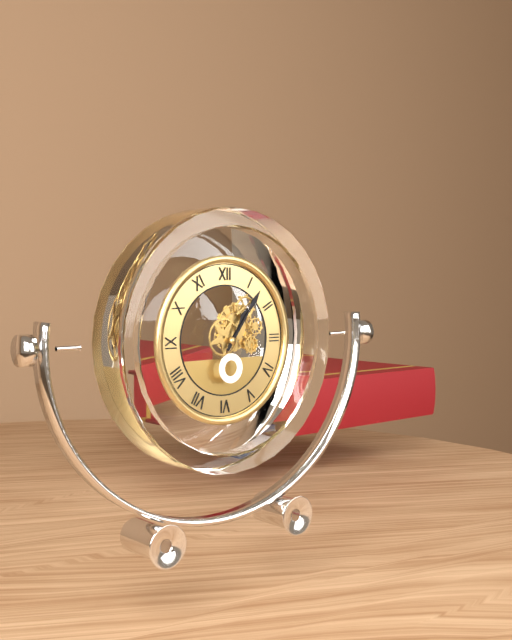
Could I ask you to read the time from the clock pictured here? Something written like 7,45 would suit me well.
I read 1,06
